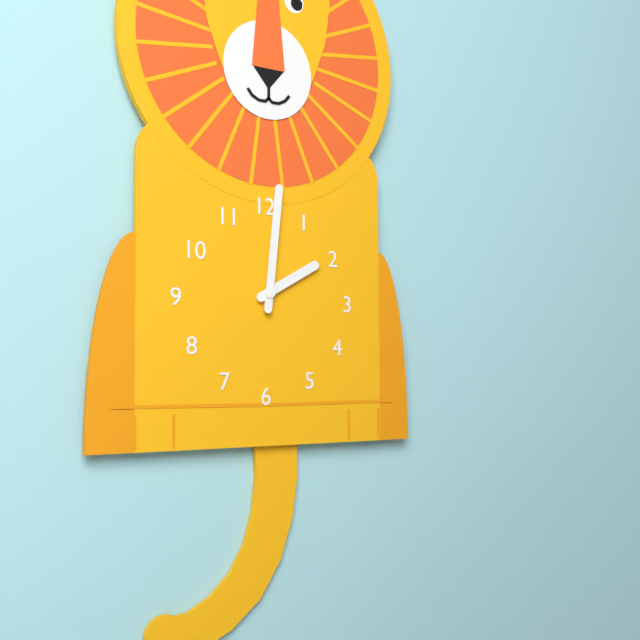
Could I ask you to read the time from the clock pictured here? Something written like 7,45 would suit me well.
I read 2,01
